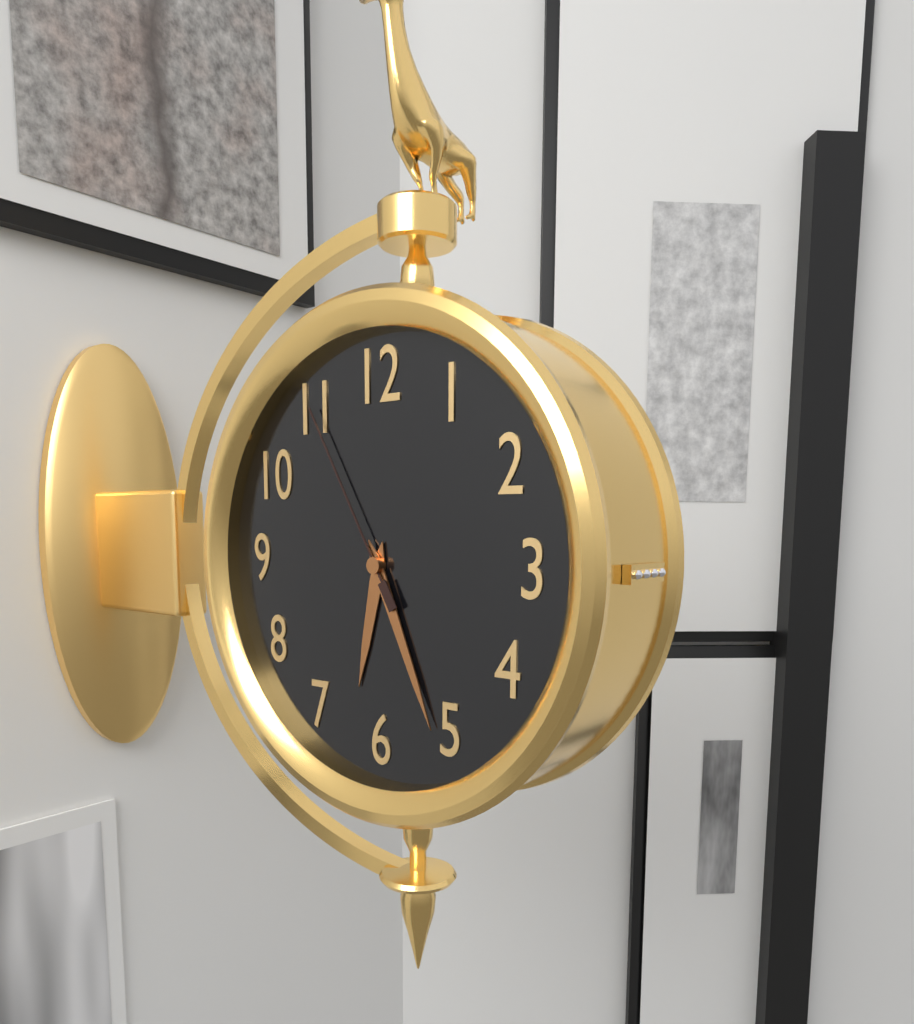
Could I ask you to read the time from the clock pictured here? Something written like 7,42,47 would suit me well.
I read 6,26,55
